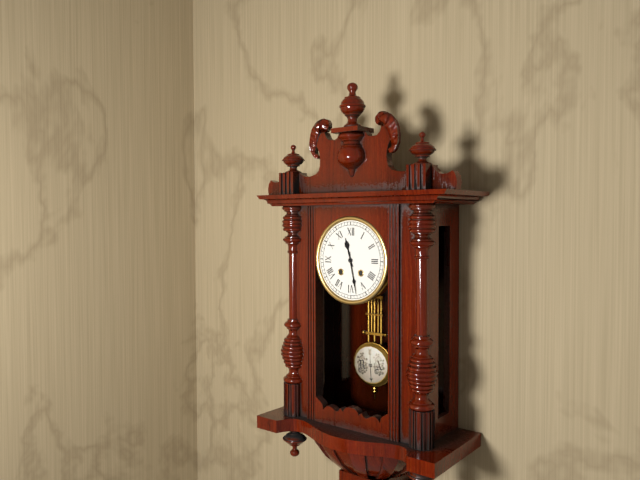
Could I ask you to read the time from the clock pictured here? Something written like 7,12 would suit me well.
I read 11,28
